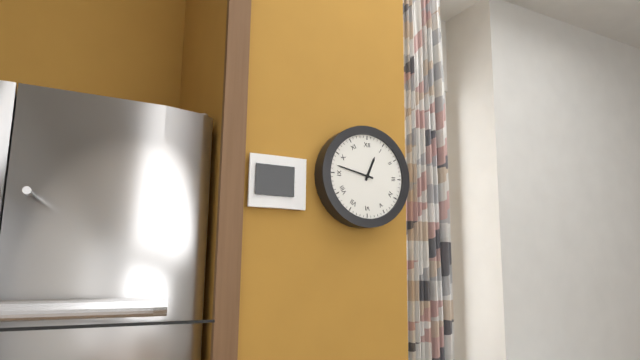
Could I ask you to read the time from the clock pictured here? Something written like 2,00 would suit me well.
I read 12,47
